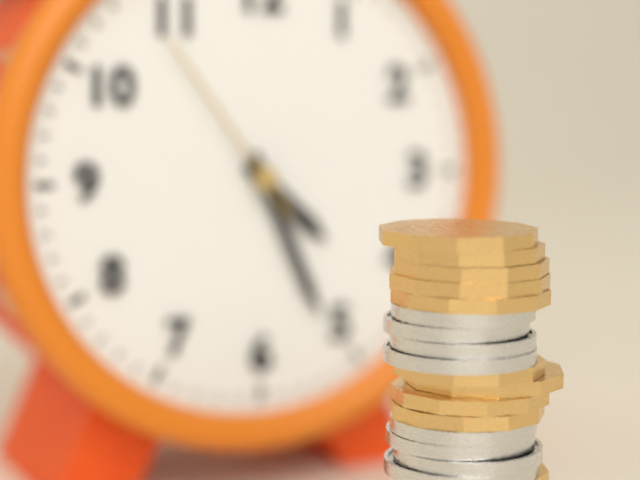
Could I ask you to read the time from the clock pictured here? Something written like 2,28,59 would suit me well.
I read 4,26,54
